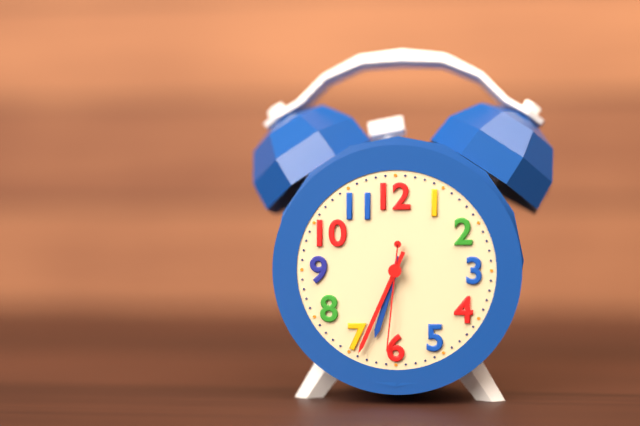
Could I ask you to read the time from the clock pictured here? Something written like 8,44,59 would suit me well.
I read 6,34,31
